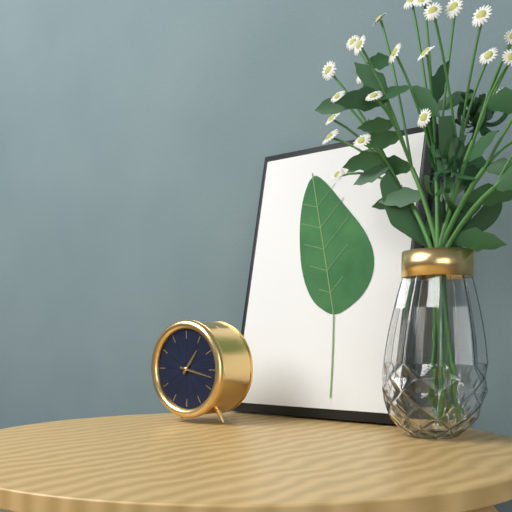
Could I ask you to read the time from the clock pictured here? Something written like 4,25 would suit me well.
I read 1,17
